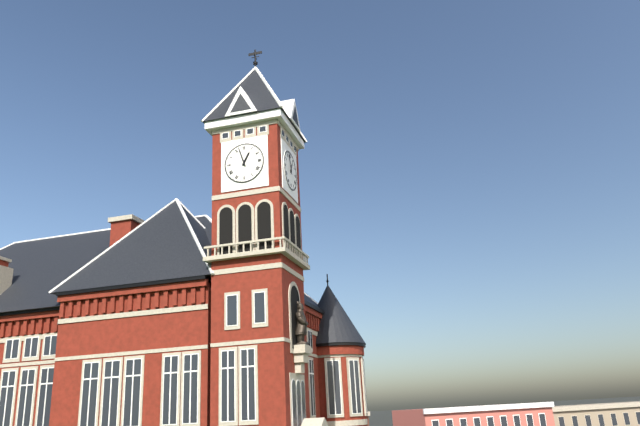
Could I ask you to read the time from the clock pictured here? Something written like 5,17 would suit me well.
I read 12,57
